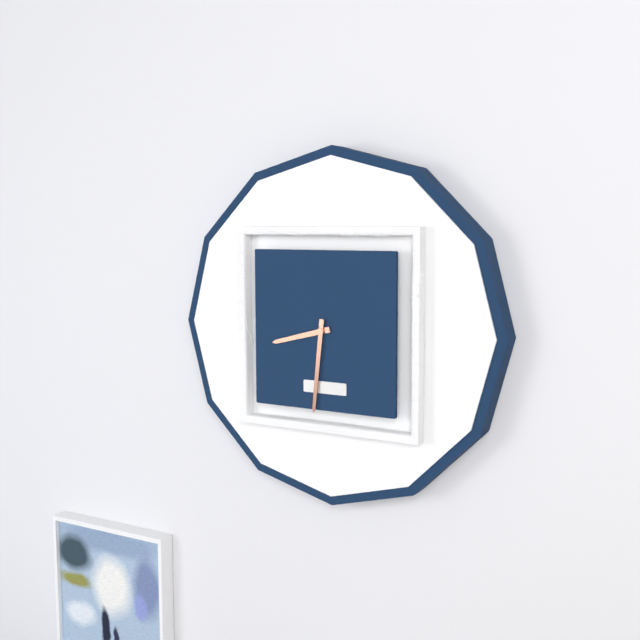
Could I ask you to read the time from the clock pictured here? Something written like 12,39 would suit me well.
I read 8,31
